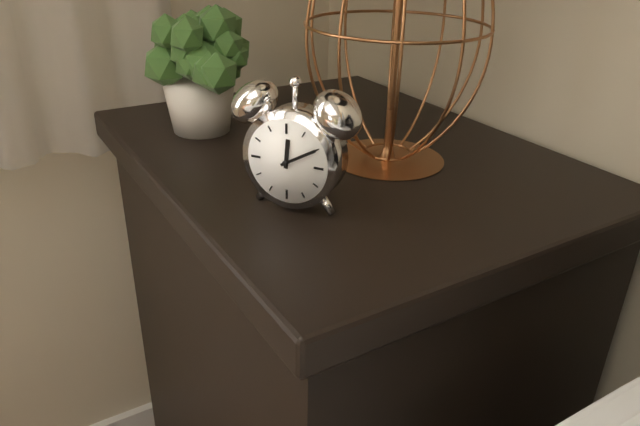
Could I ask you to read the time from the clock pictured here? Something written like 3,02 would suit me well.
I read 12,10
